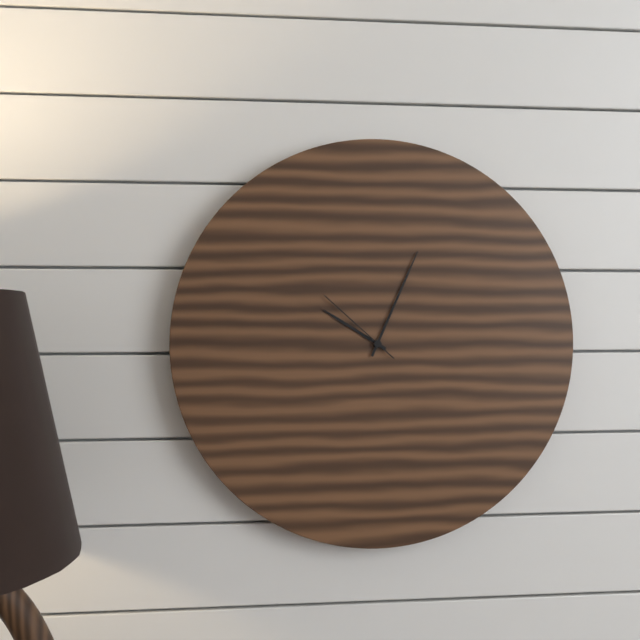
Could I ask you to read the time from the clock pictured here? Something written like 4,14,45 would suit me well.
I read 10,04,52
